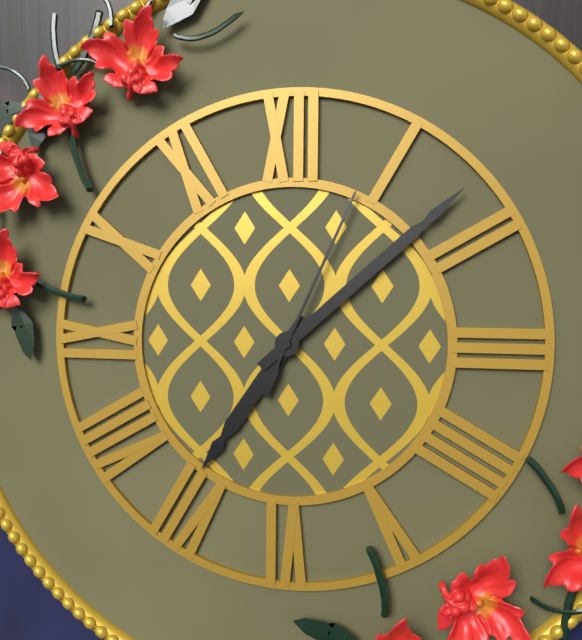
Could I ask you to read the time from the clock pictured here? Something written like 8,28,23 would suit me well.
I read 7,08,04
